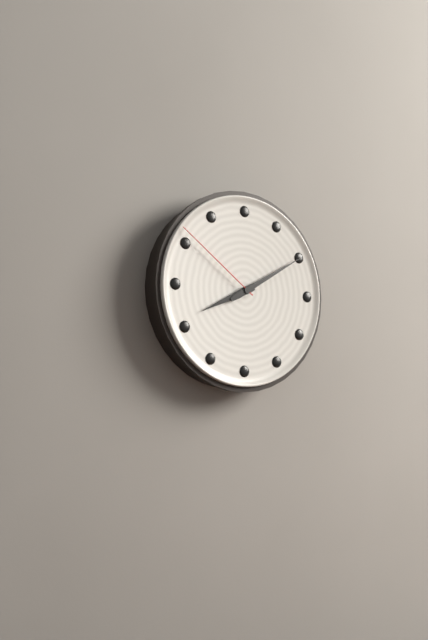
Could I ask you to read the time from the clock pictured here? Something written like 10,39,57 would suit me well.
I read 8,10,51
